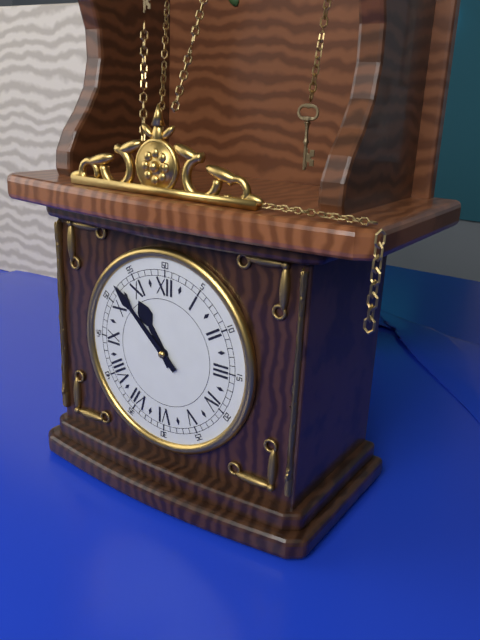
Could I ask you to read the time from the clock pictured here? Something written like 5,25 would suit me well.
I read 10,52
